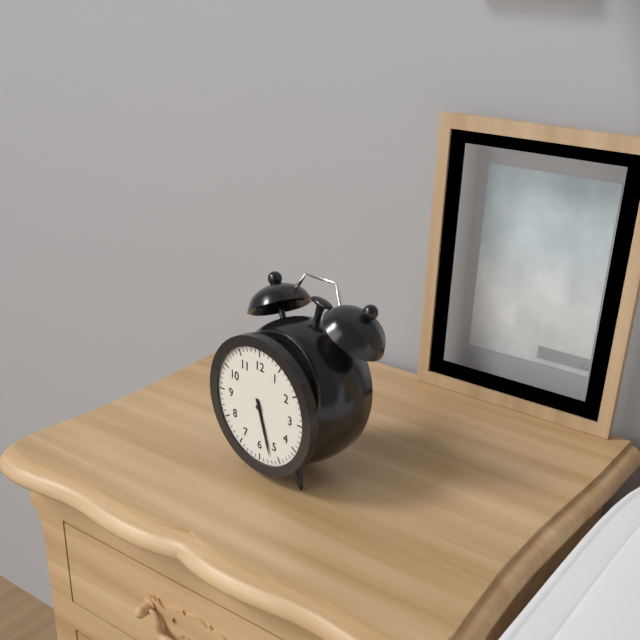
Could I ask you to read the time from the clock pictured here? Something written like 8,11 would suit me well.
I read 5,27
